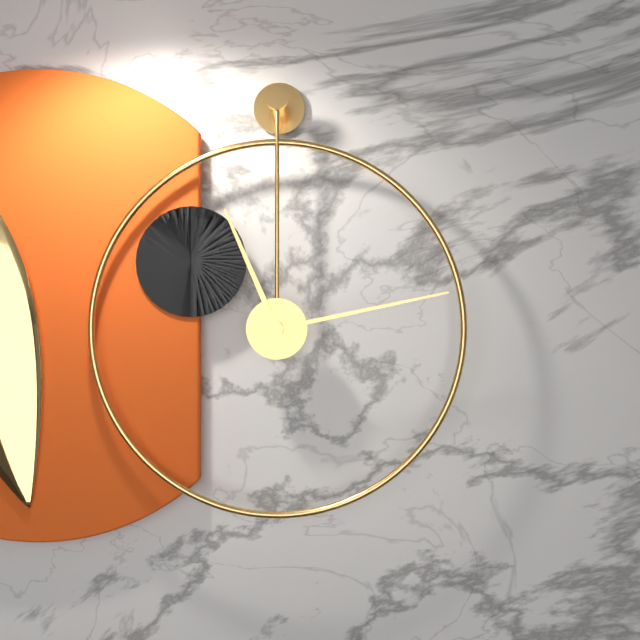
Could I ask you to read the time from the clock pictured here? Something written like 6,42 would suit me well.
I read 11,13
